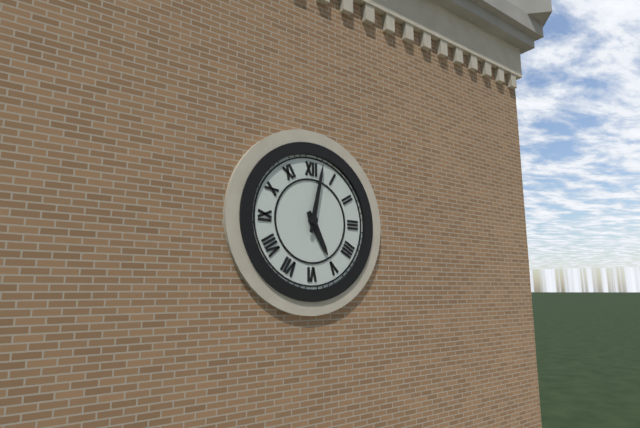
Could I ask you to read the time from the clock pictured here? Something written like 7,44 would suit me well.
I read 5,02
